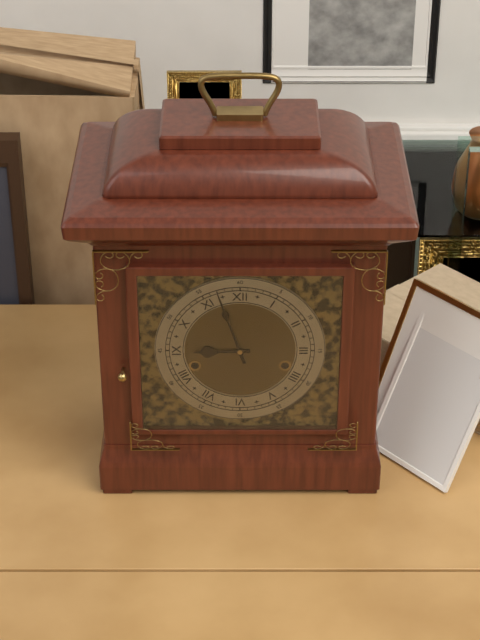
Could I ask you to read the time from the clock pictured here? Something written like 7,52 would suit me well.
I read 8,57
